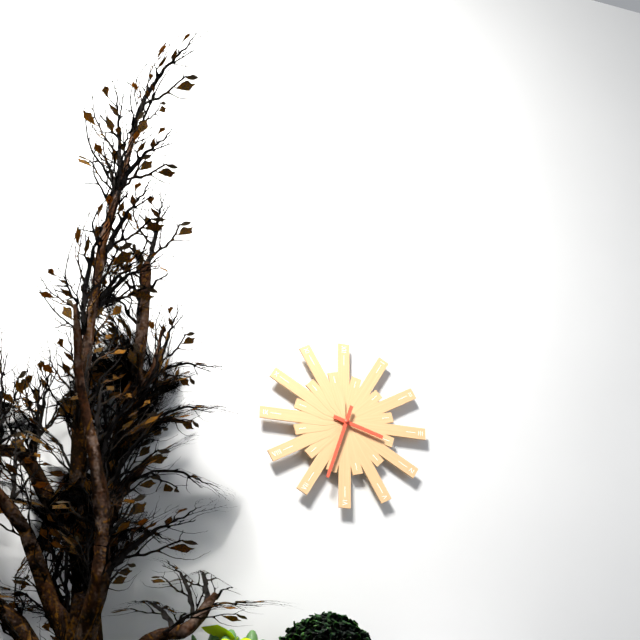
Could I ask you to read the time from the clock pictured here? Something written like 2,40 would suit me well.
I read 3,33
